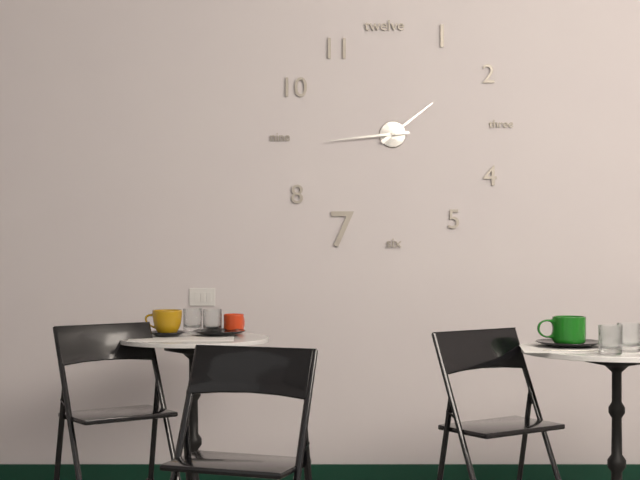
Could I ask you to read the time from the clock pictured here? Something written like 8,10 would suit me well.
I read 1,44
